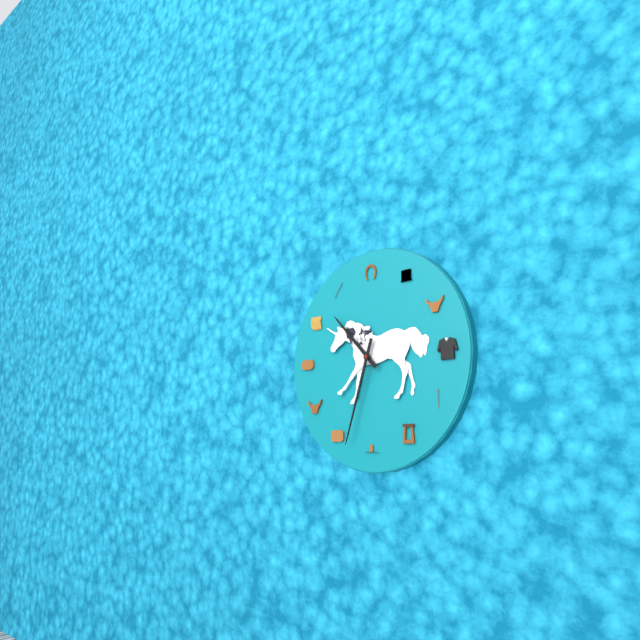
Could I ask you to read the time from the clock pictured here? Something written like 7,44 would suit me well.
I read 10,33
